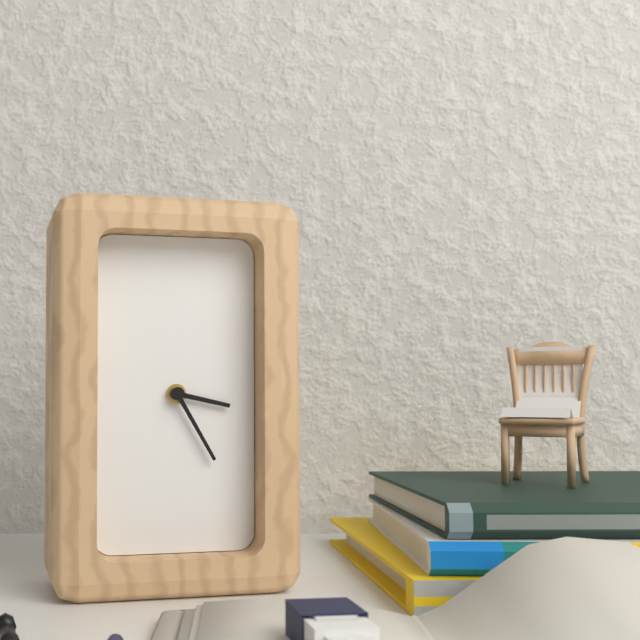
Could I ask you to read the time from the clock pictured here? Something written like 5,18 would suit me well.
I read 3,25
